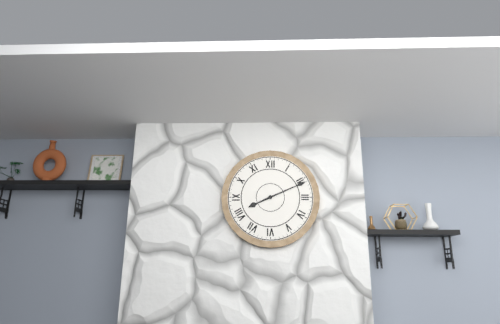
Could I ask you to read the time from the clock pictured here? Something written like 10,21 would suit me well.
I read 8,11
